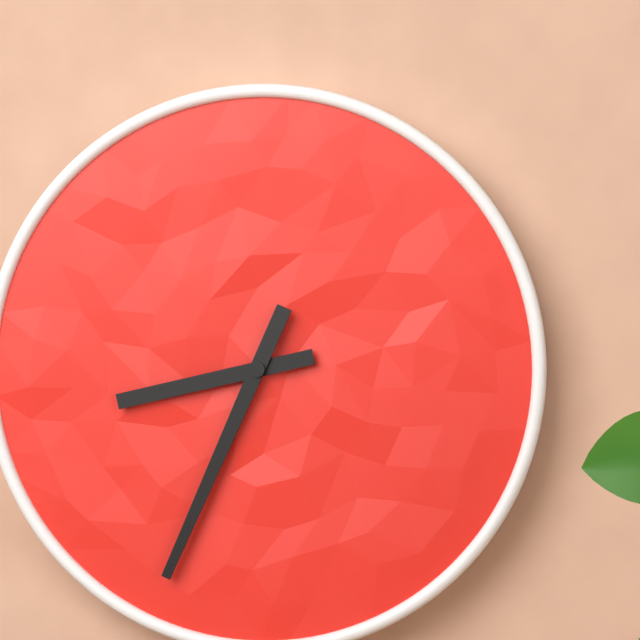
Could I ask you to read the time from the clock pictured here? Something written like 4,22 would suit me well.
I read 8,34
